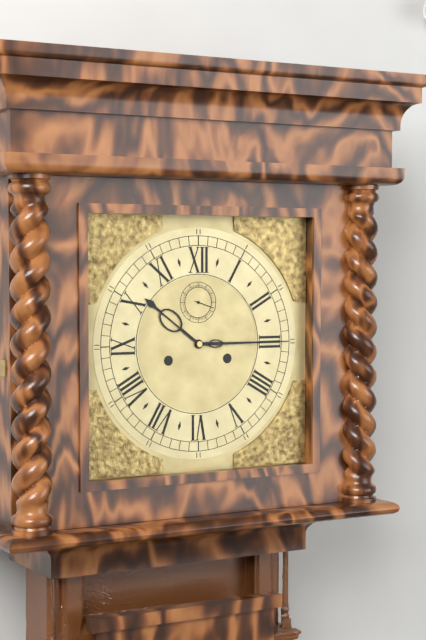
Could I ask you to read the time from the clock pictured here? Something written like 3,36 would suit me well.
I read 10,15
